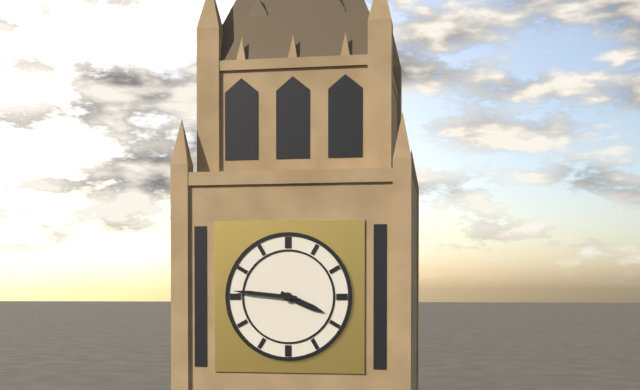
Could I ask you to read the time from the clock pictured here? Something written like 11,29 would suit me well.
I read 3,46
